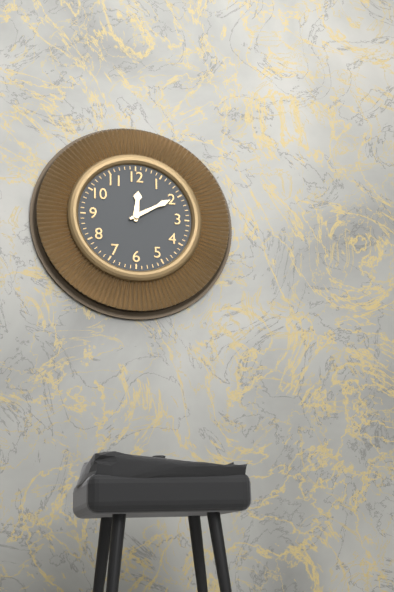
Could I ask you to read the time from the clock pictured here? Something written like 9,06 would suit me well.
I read 12,10
